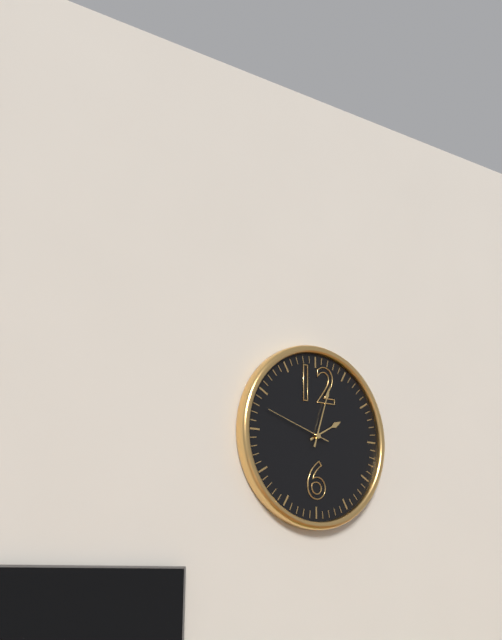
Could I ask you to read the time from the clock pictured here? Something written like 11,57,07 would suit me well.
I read 2,03,48
